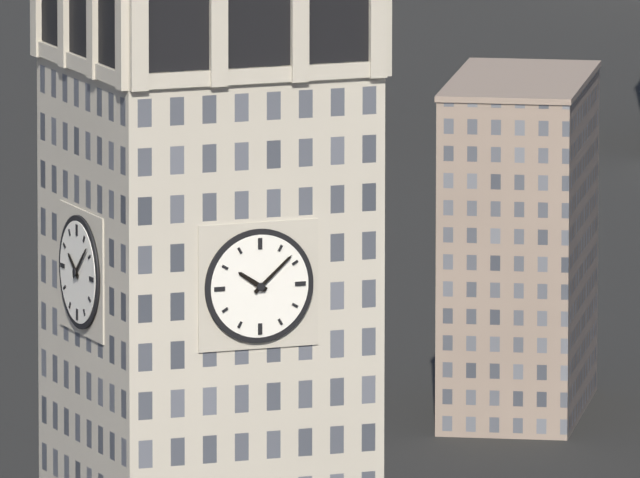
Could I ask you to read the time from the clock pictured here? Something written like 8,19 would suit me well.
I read 10,08
